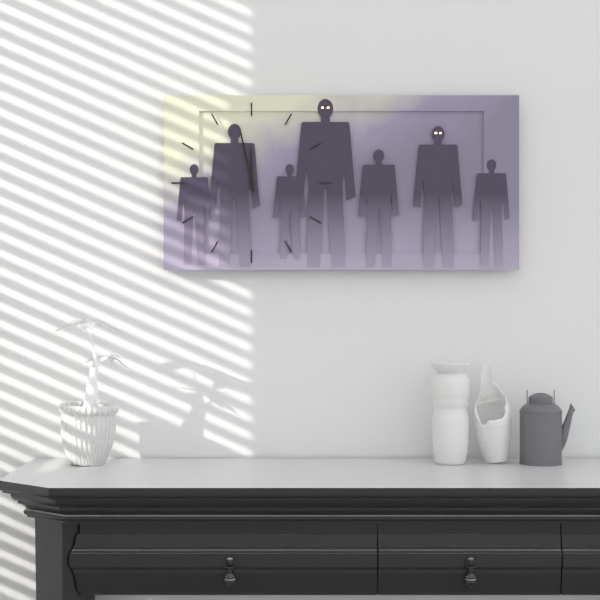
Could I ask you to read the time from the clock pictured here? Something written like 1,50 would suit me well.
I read 11,58
